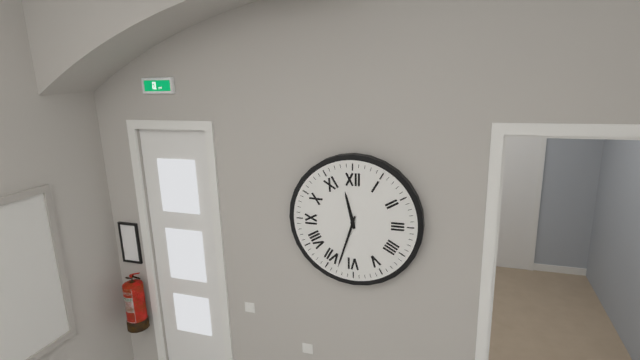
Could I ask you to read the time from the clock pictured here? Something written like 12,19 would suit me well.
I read 11,33
